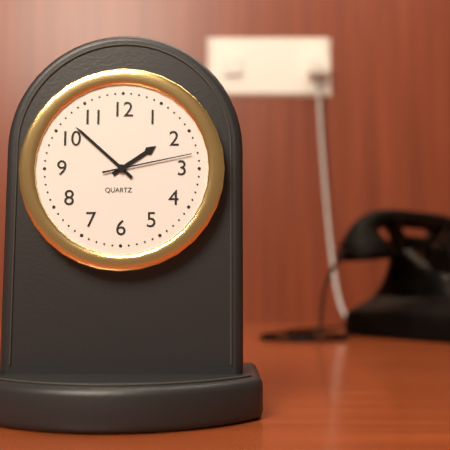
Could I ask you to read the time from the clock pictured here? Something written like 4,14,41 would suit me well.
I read 1,52,13
